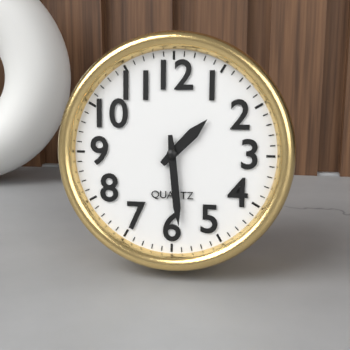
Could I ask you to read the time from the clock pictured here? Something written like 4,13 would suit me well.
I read 1,29
